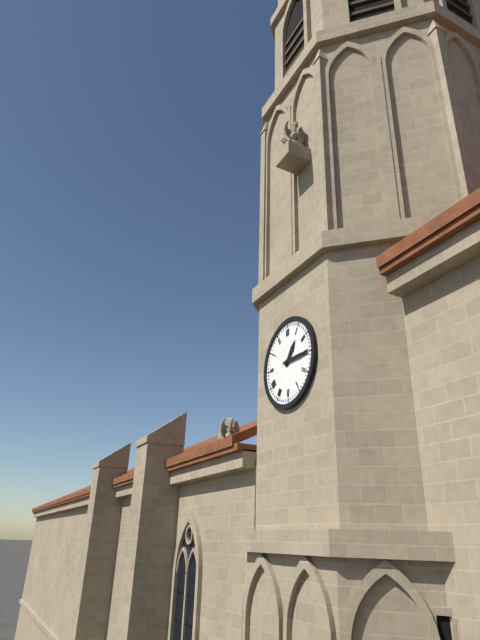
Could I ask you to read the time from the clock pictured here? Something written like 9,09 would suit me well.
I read 1,15
